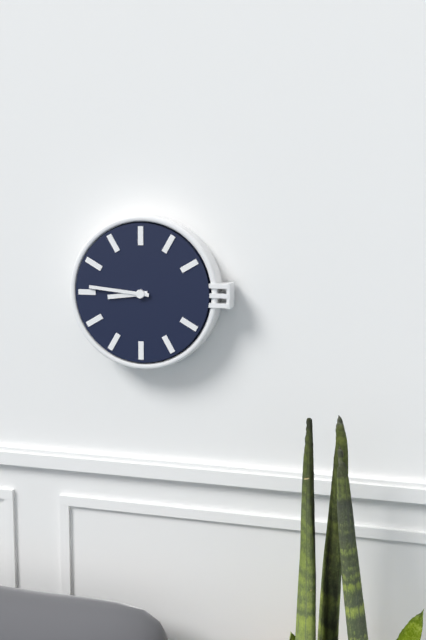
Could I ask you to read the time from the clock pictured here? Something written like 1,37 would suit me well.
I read 8,46
